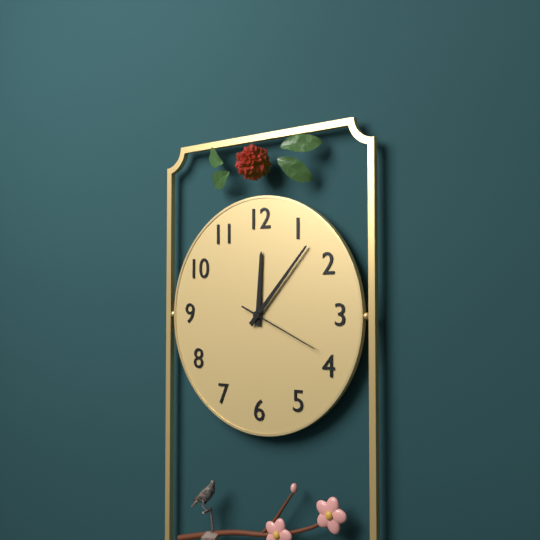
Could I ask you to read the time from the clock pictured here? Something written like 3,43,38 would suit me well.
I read 12,07,19
